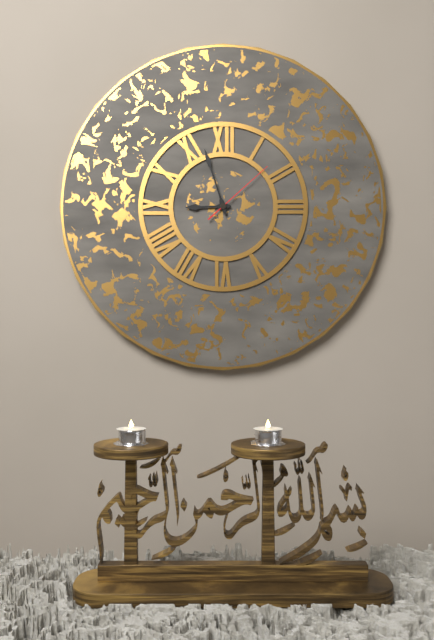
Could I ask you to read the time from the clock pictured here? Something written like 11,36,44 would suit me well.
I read 8,57,08
